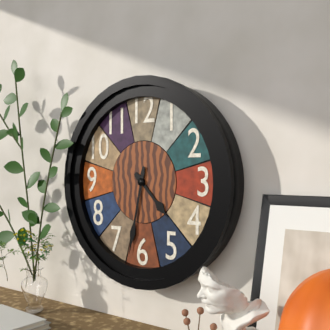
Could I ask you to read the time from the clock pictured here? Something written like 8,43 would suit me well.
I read 4,32
